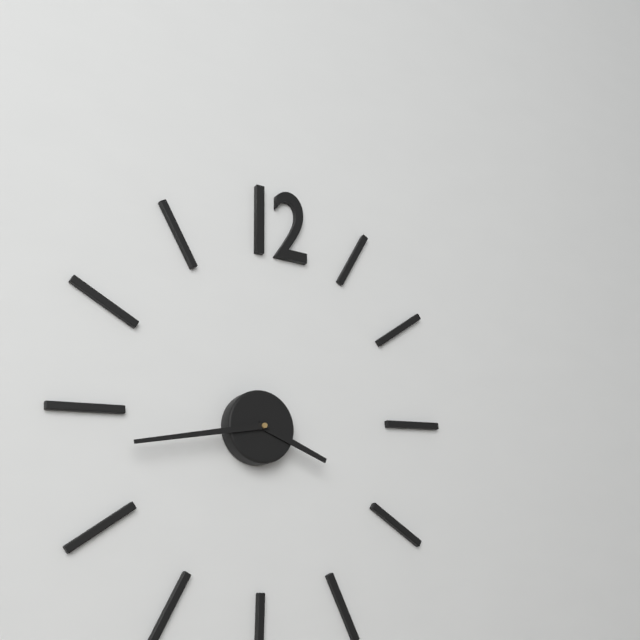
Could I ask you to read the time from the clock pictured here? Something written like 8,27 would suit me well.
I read 3,43
